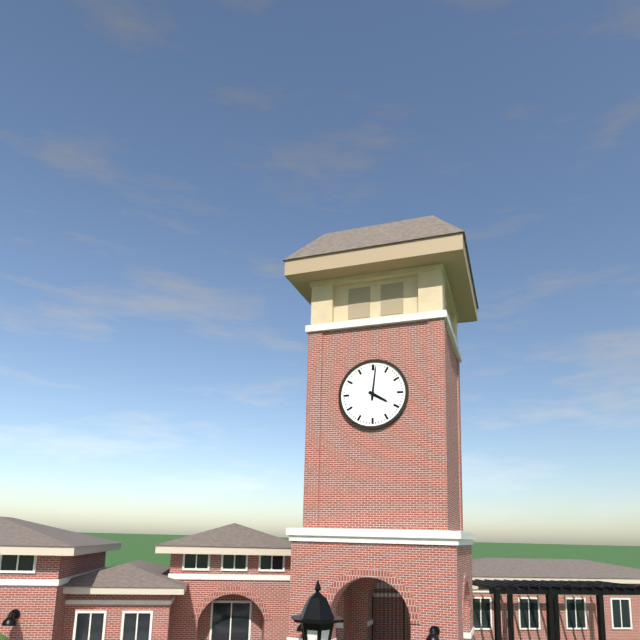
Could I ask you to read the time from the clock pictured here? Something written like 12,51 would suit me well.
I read 4,01
